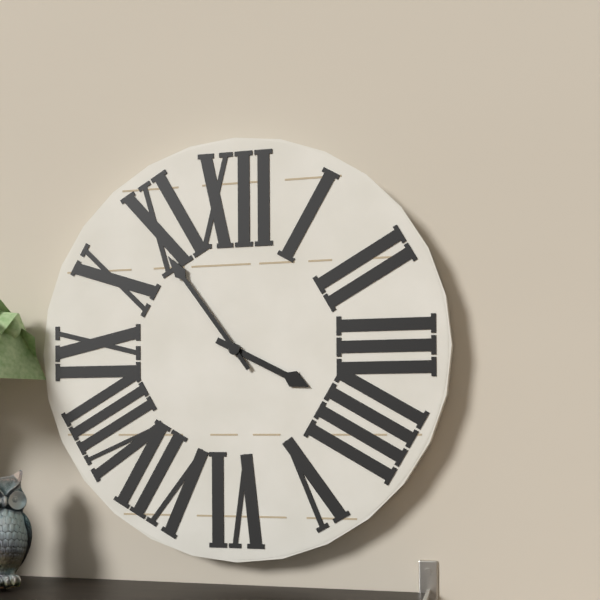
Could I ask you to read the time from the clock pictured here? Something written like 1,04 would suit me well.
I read 3,54
